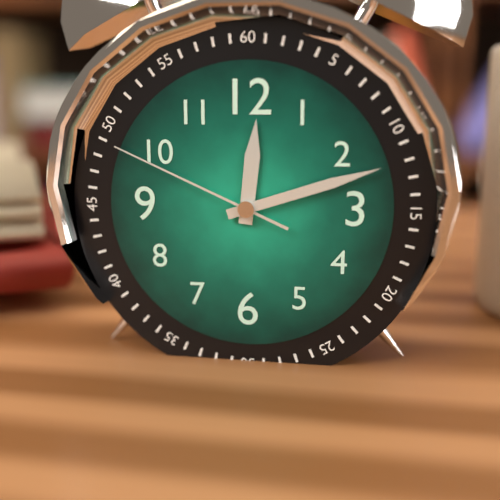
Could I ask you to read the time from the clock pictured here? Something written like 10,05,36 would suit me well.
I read 12,12,49
